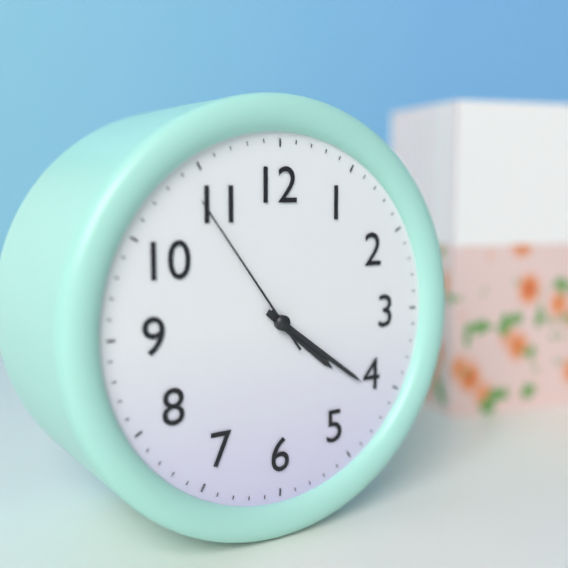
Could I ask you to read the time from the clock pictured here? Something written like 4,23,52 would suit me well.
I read 4,21,54
